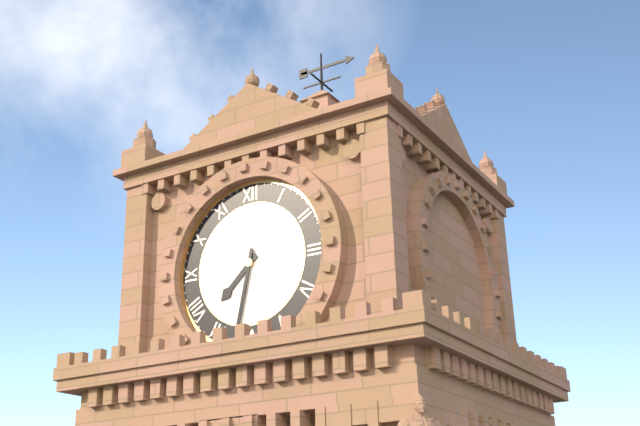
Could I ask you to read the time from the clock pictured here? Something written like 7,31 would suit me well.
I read 7,32
